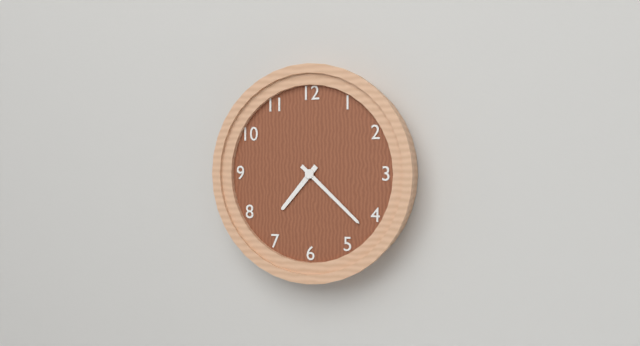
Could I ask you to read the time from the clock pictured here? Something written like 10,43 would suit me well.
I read 7,22
